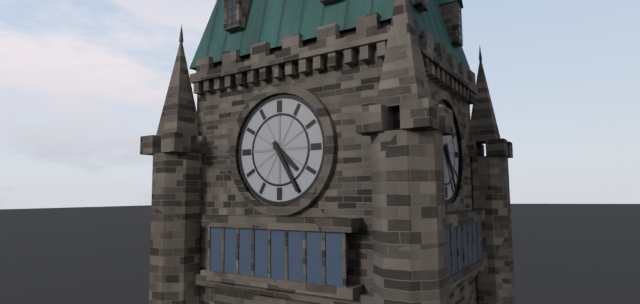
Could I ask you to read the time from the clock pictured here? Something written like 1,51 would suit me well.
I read 4,25
